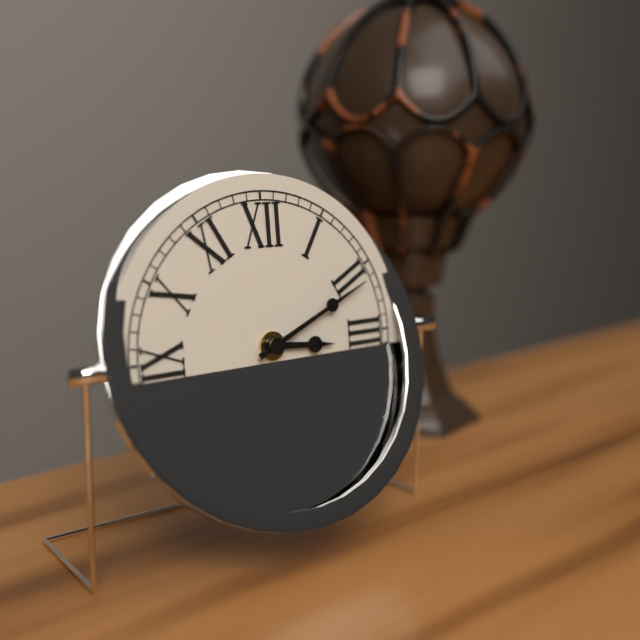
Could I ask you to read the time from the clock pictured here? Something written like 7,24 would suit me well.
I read 3,11
